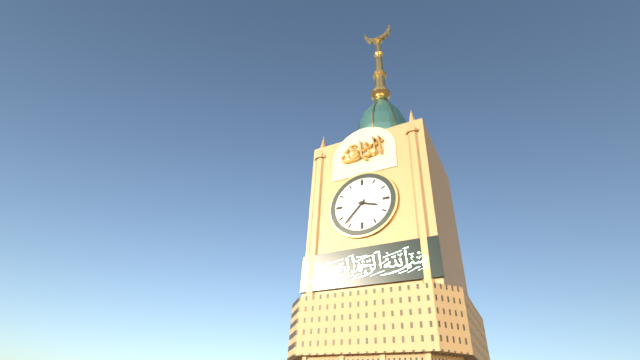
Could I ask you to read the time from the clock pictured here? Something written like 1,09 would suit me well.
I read 3,37
